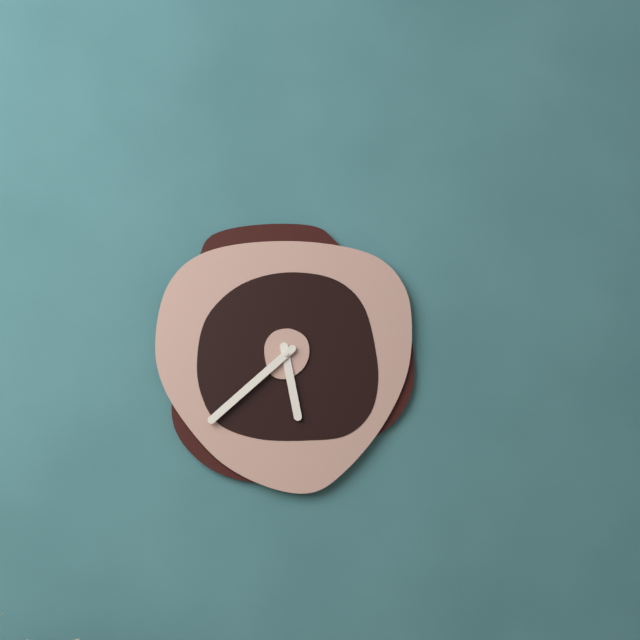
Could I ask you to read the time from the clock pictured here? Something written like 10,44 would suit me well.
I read 5,38
